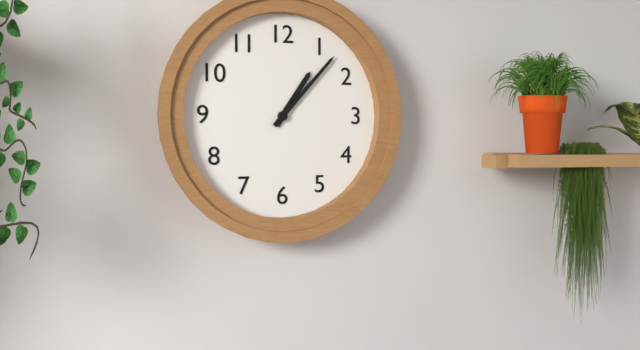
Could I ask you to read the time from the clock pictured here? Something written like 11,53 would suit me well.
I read 1,07
